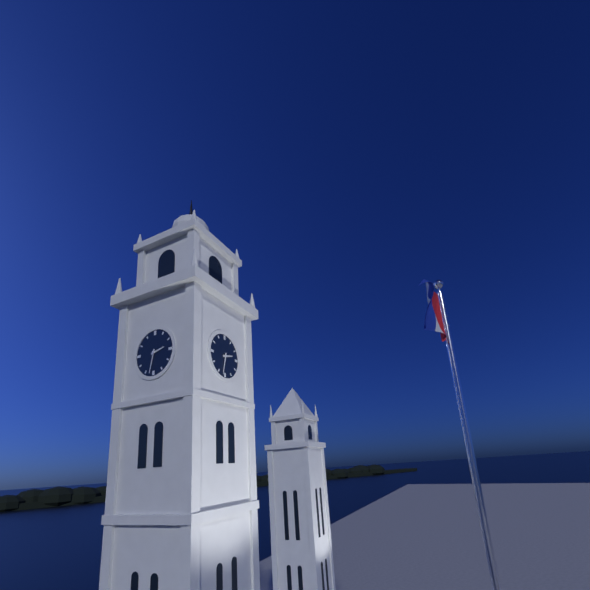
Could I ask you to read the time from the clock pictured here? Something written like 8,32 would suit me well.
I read 2,32
